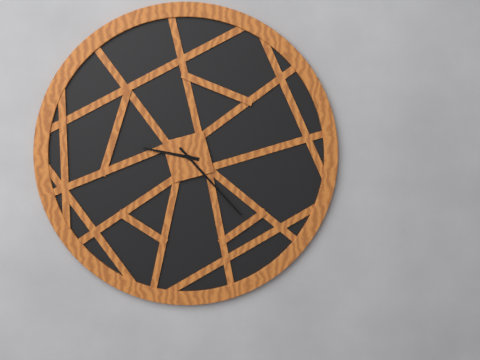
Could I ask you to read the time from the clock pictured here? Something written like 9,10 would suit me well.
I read 9,23
